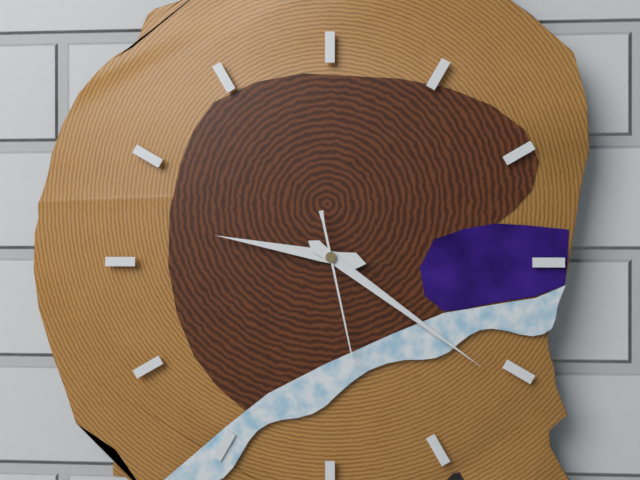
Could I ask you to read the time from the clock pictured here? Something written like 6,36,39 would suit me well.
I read 9,21,28
